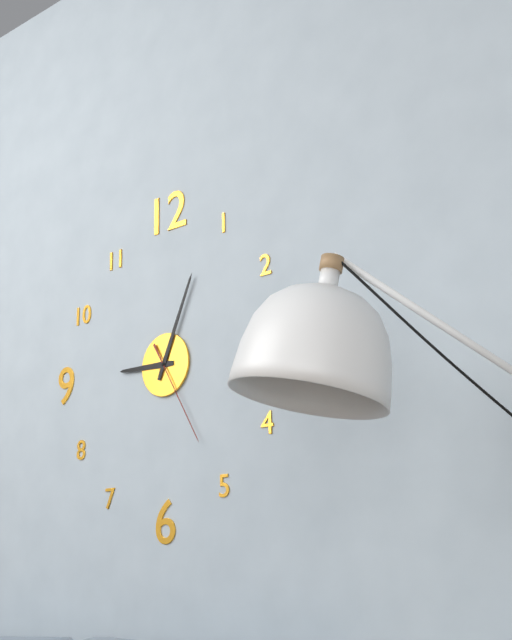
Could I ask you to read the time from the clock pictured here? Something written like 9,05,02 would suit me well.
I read 9,04,25
